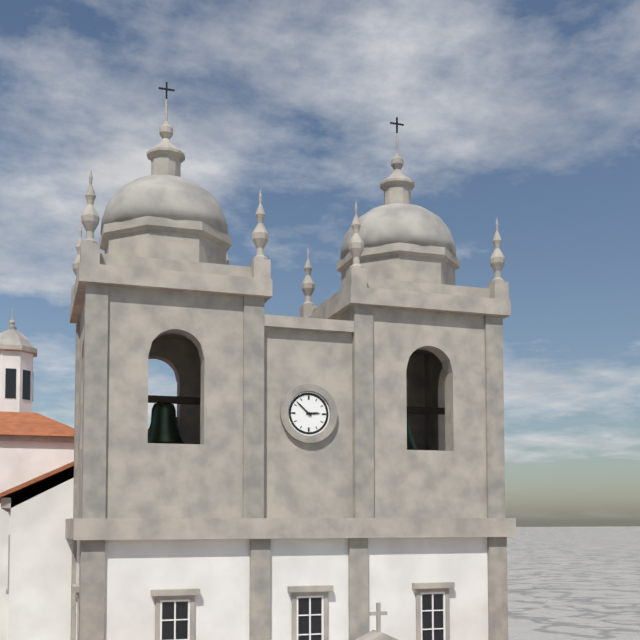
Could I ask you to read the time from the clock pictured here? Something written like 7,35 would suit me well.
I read 2,52
